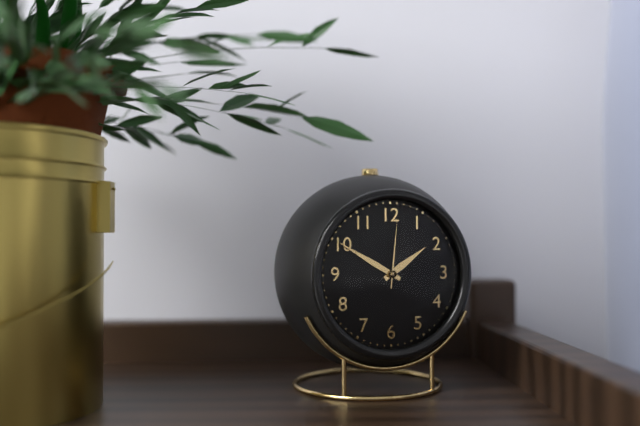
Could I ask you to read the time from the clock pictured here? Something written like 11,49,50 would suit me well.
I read 1,50,01
